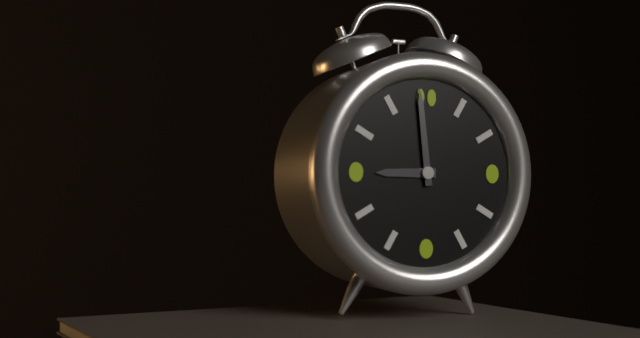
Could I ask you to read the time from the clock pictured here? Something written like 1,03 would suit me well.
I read 8,59
